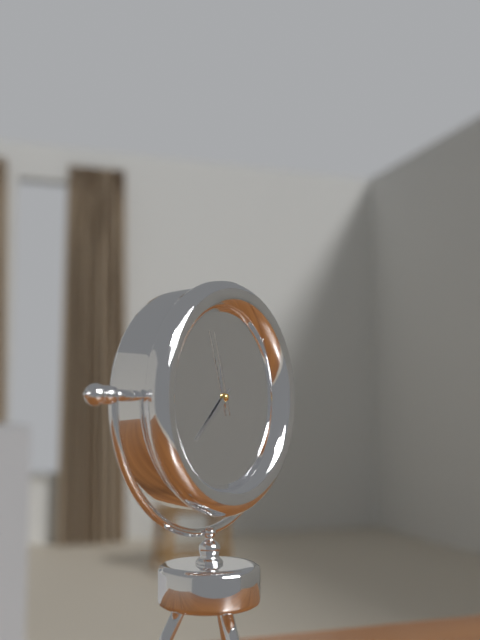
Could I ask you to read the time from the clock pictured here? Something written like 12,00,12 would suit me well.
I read 11,38,57
